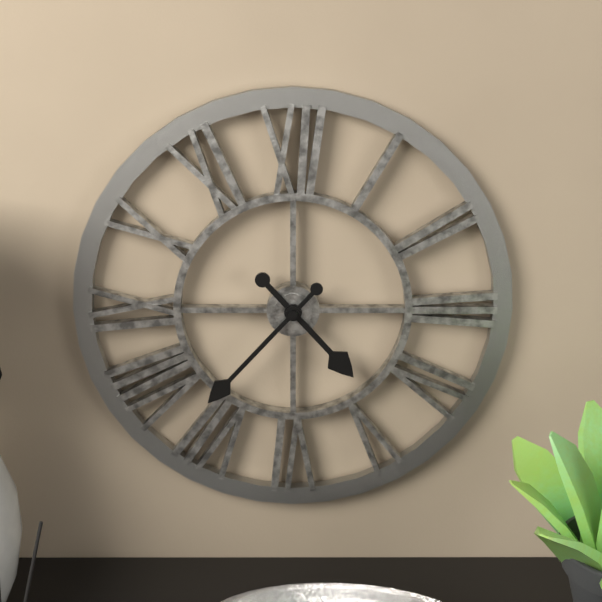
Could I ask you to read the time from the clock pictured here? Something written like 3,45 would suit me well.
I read 4,37
